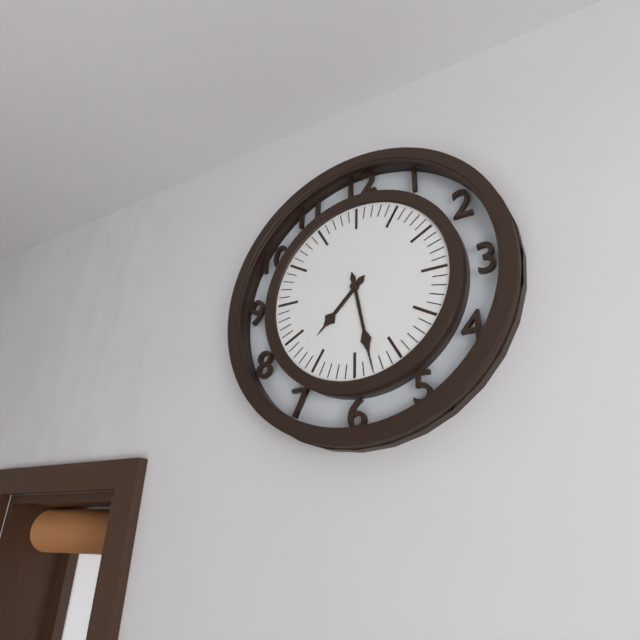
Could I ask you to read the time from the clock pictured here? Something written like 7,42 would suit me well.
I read 7,28
